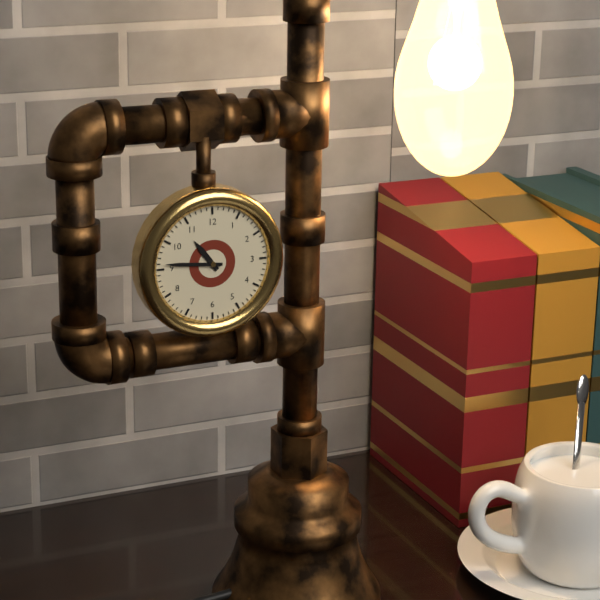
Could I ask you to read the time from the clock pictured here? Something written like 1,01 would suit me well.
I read 10,46
